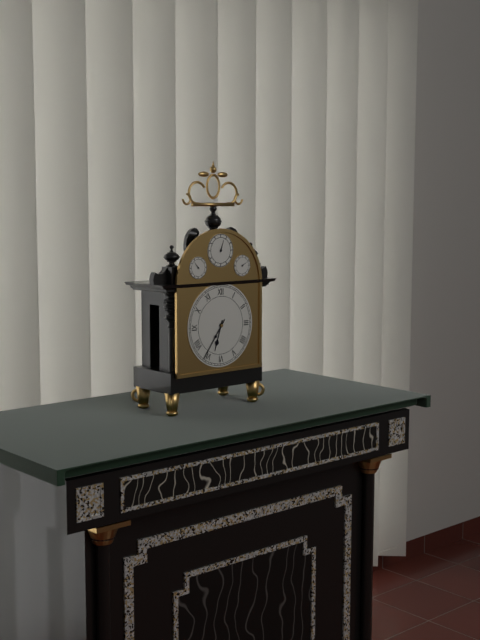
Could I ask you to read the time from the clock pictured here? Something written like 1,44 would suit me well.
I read 6,36
